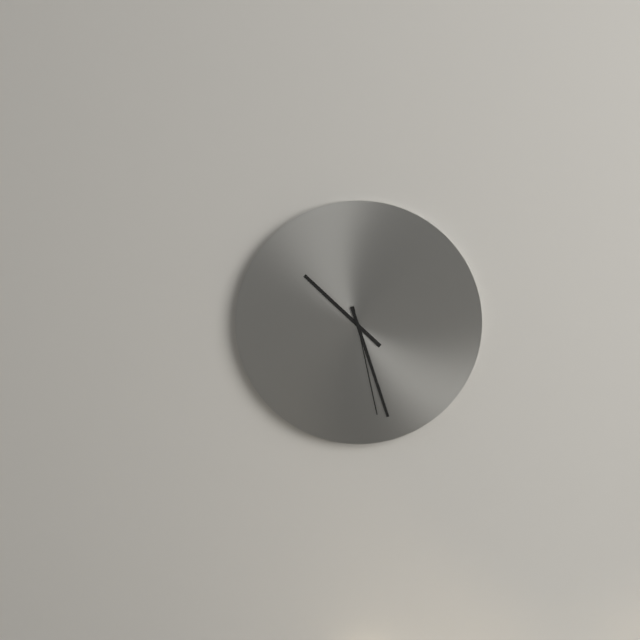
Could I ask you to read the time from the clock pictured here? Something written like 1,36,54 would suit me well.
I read 10,27,28
